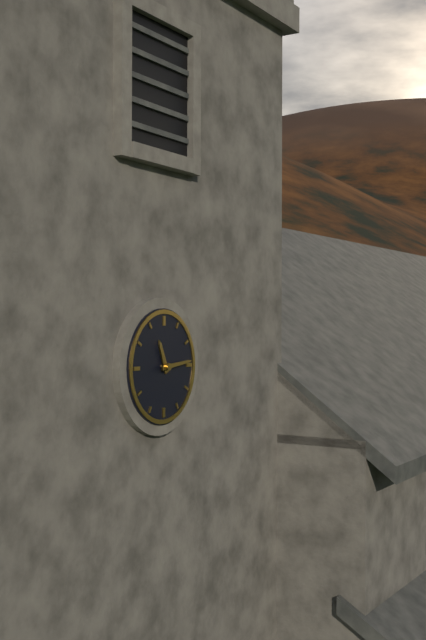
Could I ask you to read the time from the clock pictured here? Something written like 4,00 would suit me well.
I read 11,14
